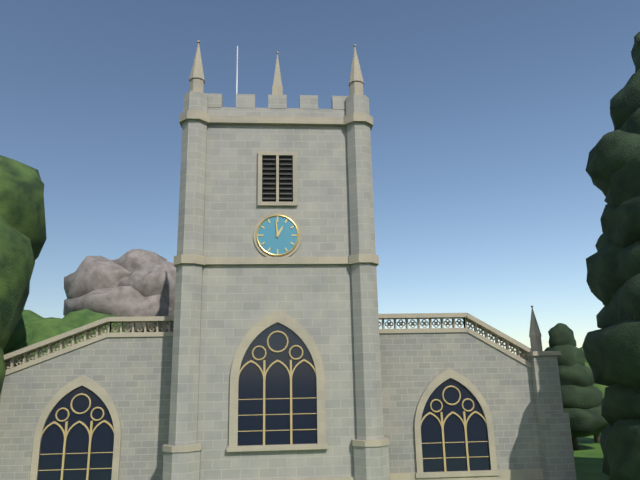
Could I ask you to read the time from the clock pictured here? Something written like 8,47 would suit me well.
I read 12,59
